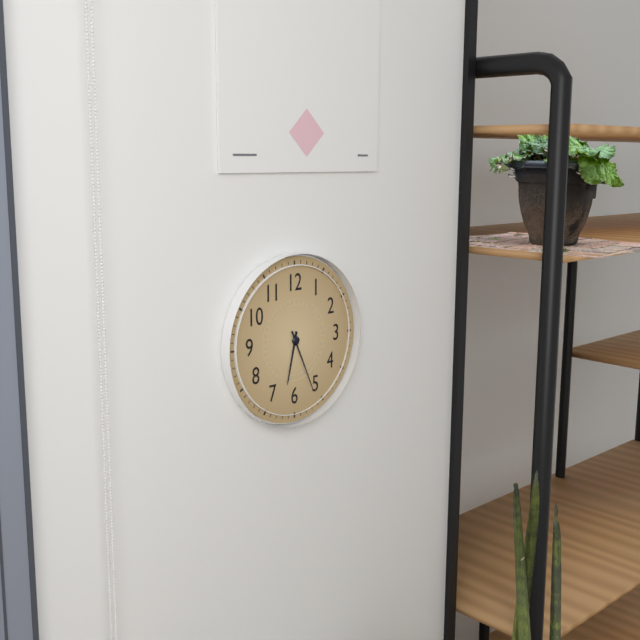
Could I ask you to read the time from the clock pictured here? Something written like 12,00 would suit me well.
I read 6,26
